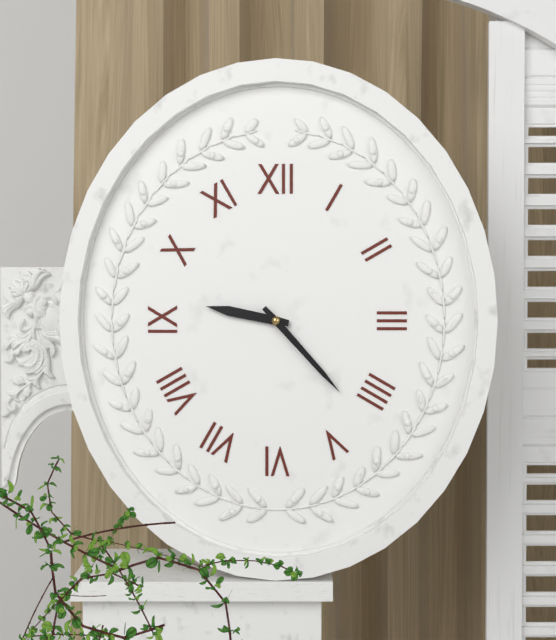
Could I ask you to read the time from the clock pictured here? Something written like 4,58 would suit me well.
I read 9,23
